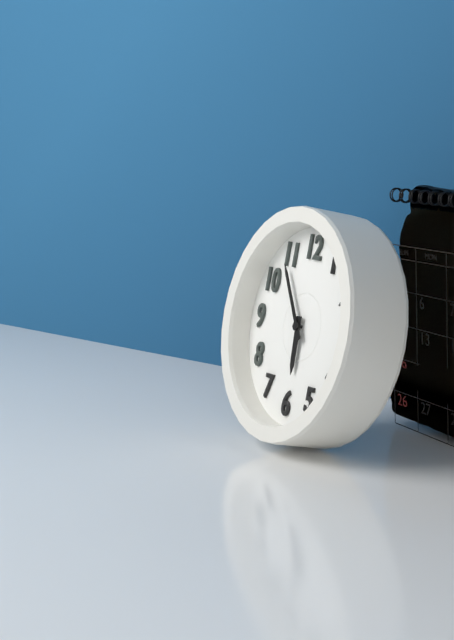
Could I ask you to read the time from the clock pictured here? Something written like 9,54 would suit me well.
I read 5,54
